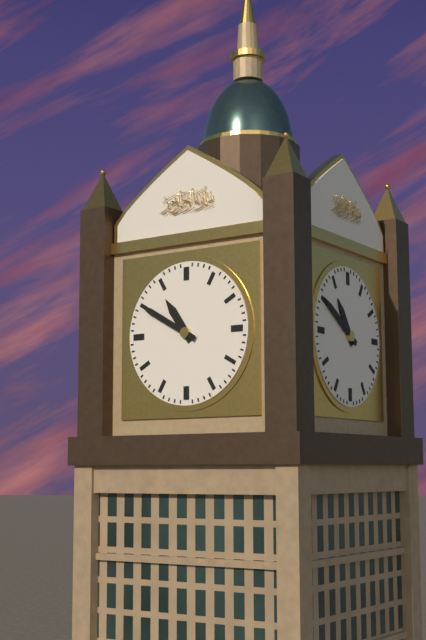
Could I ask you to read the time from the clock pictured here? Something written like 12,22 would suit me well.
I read 10,50
